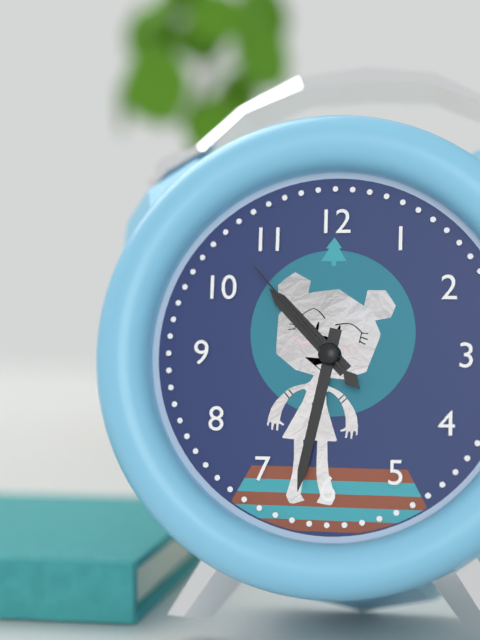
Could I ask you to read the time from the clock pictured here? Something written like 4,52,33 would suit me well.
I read 10,32,53
